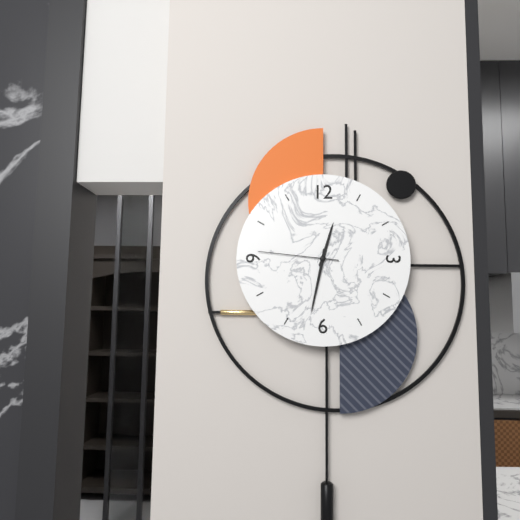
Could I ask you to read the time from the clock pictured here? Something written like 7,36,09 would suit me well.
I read 12,32,46
